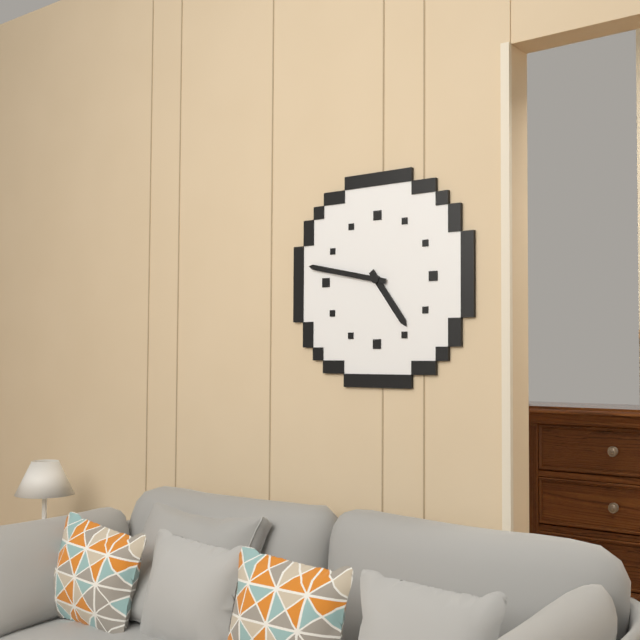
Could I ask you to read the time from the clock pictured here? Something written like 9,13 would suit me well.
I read 4,47
